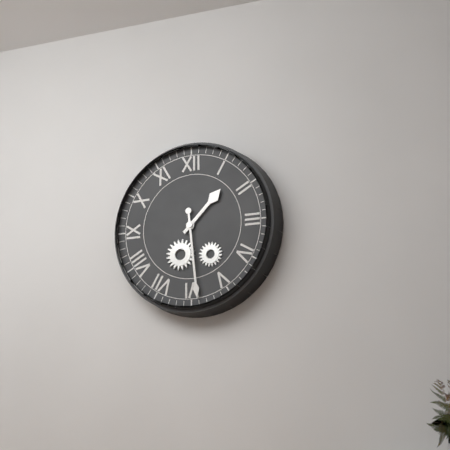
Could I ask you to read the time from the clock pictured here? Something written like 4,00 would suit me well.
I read 1,29
